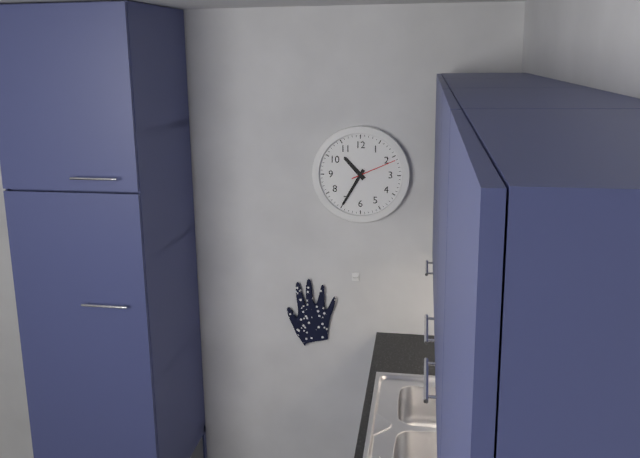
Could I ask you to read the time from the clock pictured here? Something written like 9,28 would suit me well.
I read 10,35
